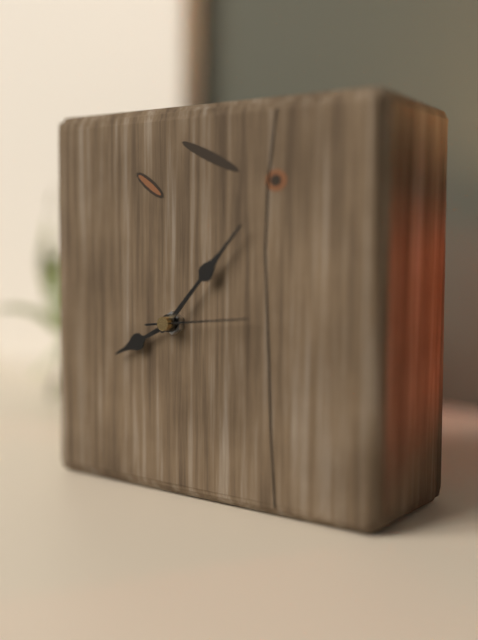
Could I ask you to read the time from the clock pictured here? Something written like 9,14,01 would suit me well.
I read 8,07,14
